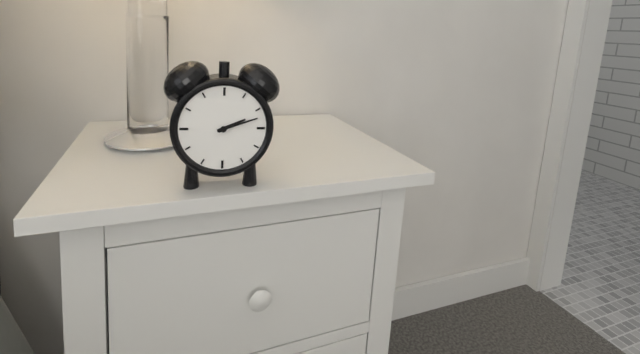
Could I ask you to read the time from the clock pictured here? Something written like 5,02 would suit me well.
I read 2,12
